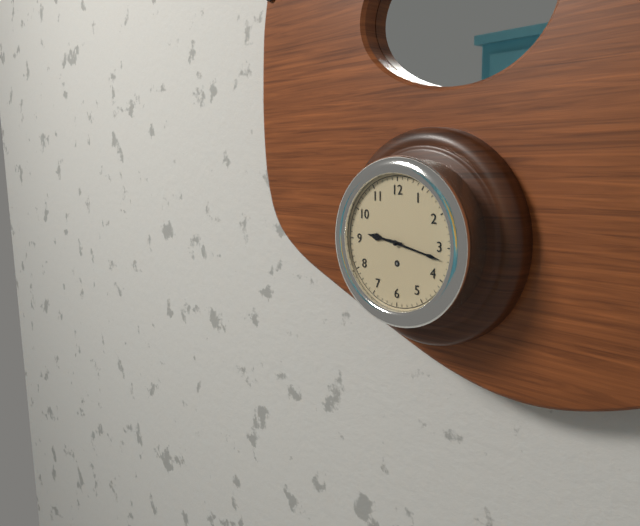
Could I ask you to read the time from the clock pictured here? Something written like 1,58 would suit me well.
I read 9,17
